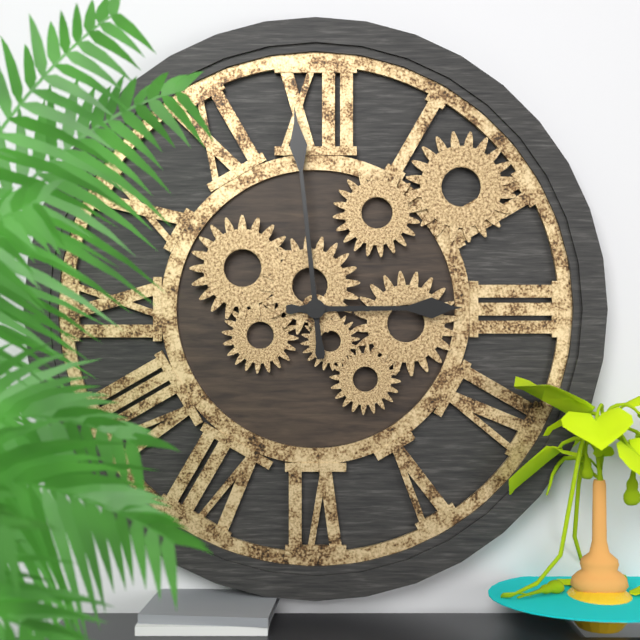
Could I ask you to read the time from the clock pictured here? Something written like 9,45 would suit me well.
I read 2,59
